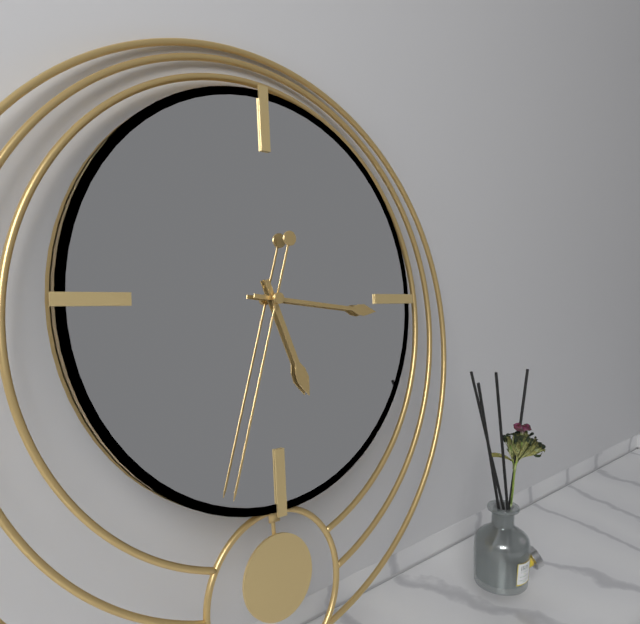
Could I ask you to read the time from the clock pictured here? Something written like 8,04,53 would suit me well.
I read 5,16,33
